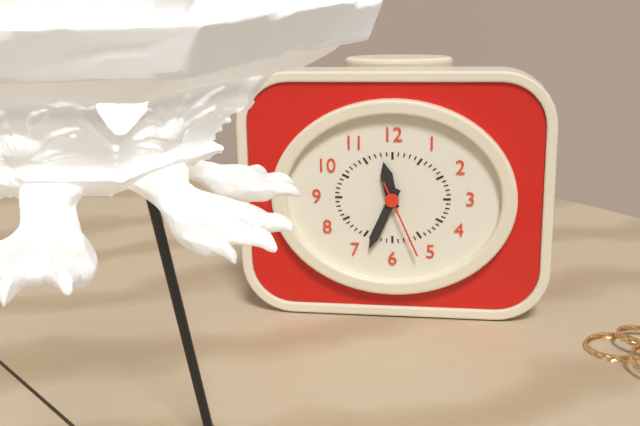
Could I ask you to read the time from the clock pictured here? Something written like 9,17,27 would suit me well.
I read 11,34,26
